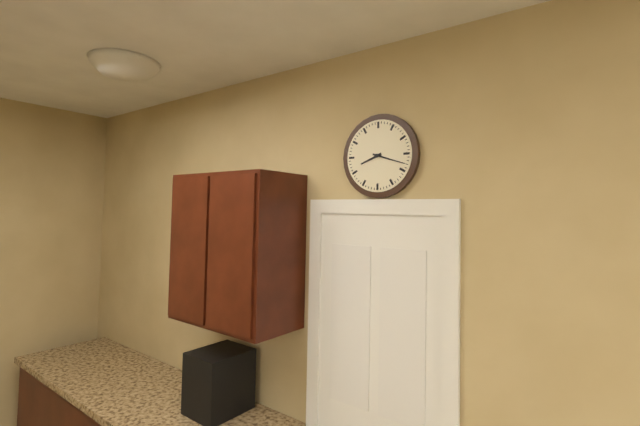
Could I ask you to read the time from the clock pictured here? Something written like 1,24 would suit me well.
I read 8,18
